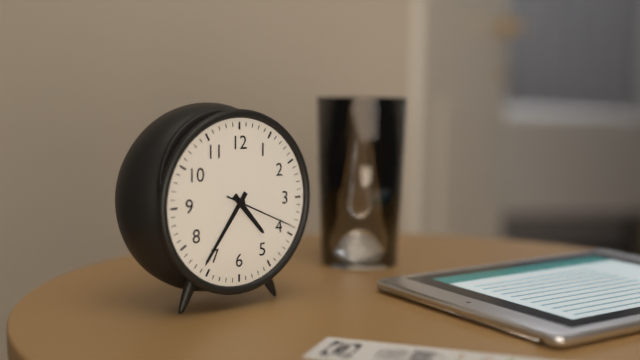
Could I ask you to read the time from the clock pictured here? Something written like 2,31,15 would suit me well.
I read 4,36,19
